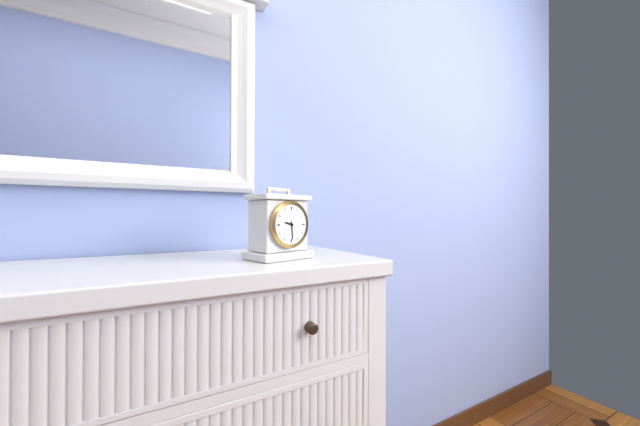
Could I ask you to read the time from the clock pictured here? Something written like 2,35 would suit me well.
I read 9,29
